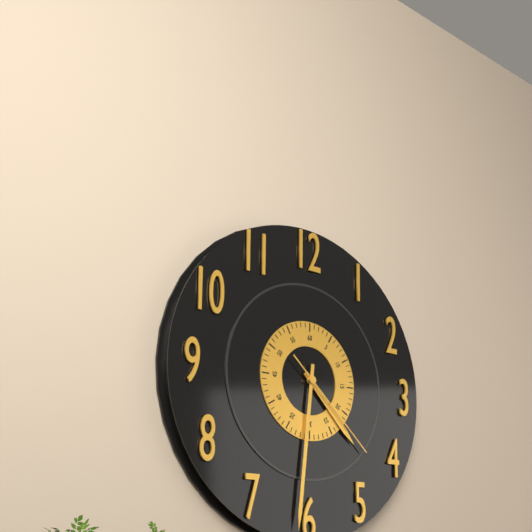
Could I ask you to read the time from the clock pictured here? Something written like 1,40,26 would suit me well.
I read 4,31,22
